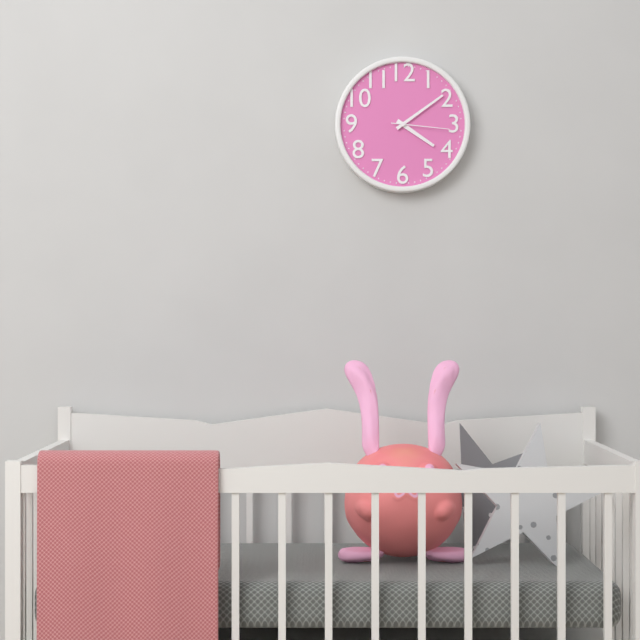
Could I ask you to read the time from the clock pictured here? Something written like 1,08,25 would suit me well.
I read 4,09,16
